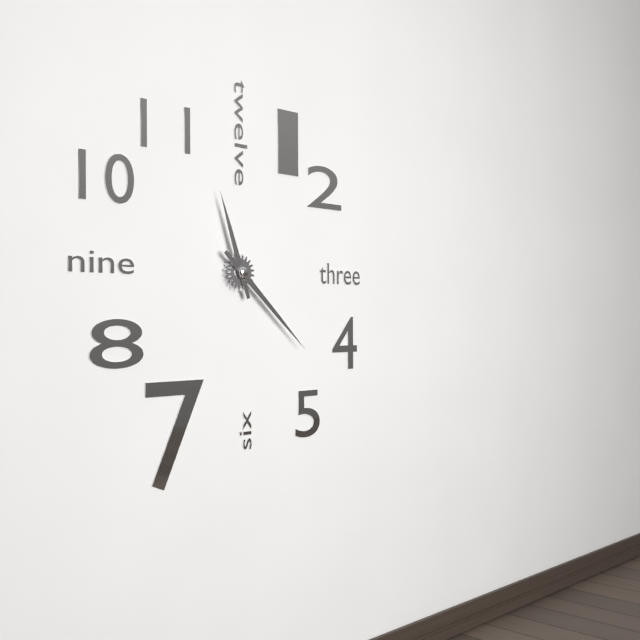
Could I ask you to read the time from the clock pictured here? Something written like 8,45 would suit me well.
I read 11,22
